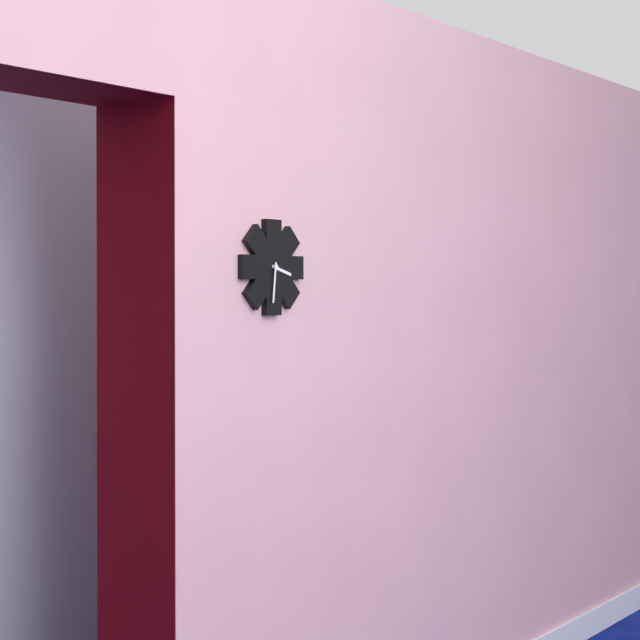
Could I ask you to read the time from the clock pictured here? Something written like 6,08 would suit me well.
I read 3,31
